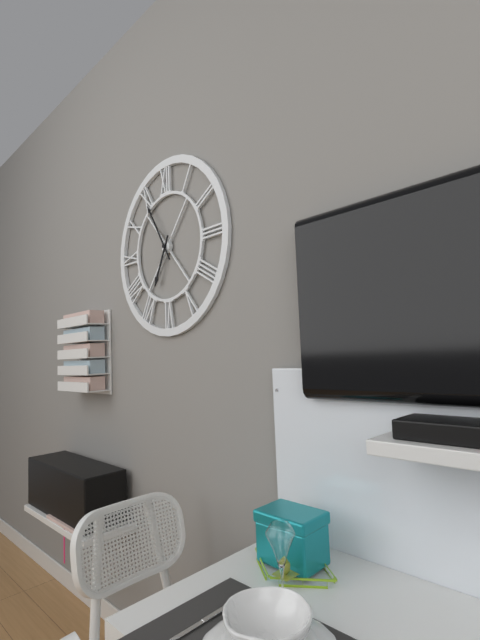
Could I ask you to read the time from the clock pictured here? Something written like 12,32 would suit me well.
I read 6,55
